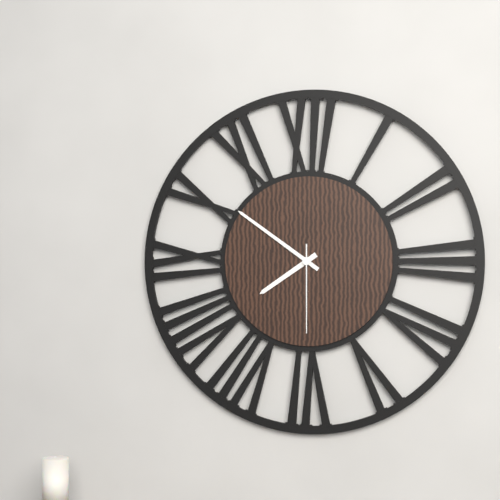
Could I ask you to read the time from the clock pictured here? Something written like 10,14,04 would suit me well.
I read 7,51,30
